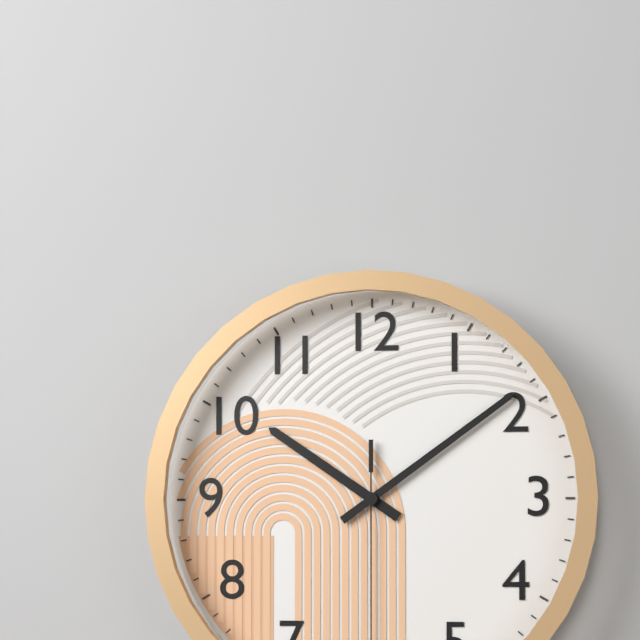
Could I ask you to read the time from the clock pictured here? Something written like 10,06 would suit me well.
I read 10,09
